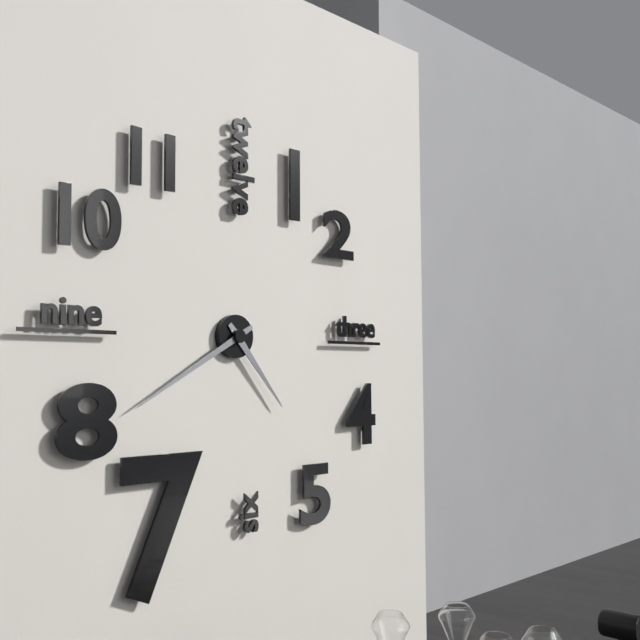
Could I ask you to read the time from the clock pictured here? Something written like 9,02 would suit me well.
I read 4,40
